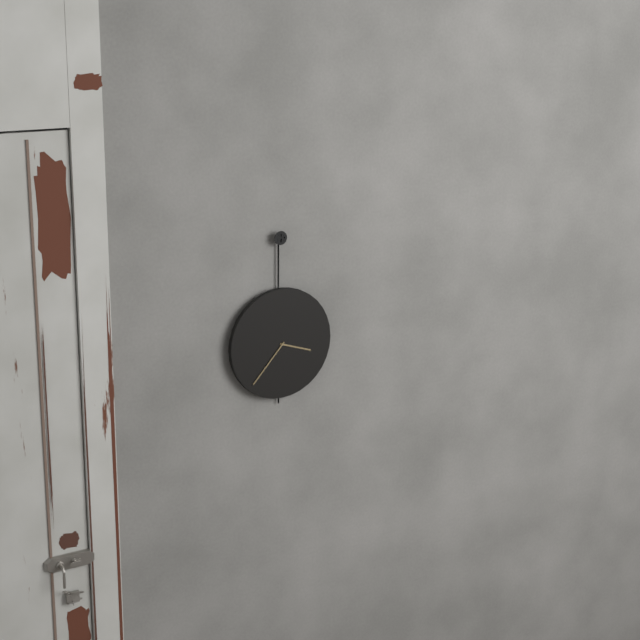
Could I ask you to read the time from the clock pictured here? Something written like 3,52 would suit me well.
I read 3,37
